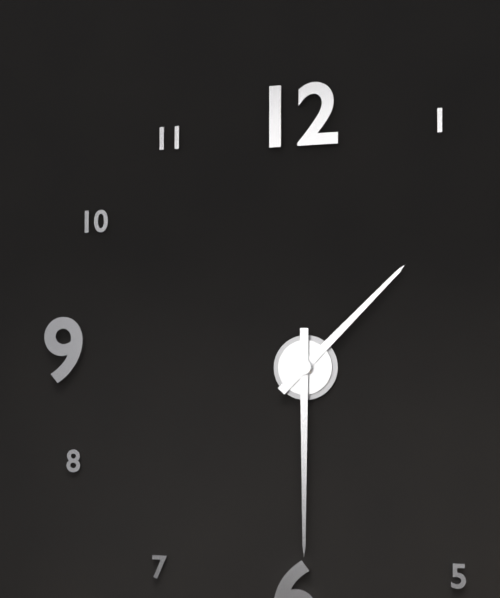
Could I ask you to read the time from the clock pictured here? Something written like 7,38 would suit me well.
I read 1,30
